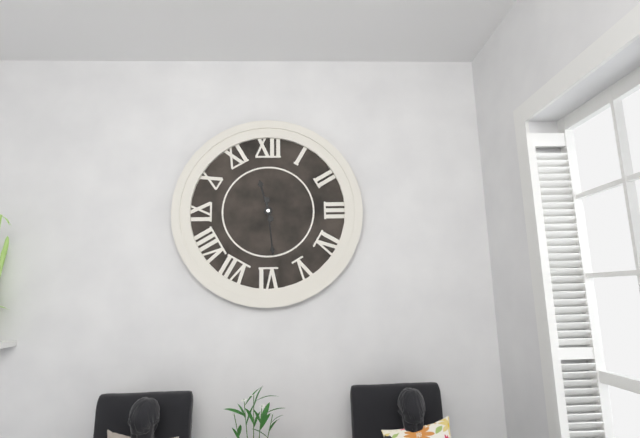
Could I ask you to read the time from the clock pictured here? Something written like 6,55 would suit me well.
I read 11,29
